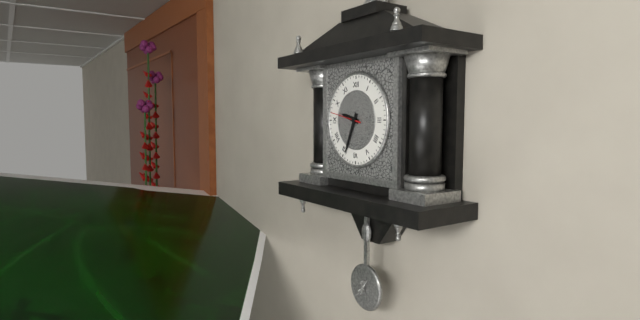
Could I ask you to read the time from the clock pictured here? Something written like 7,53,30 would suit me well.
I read 9,34,47
